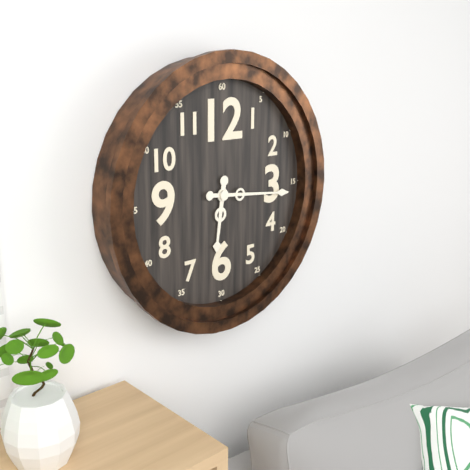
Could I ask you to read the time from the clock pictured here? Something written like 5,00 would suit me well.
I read 6,16
